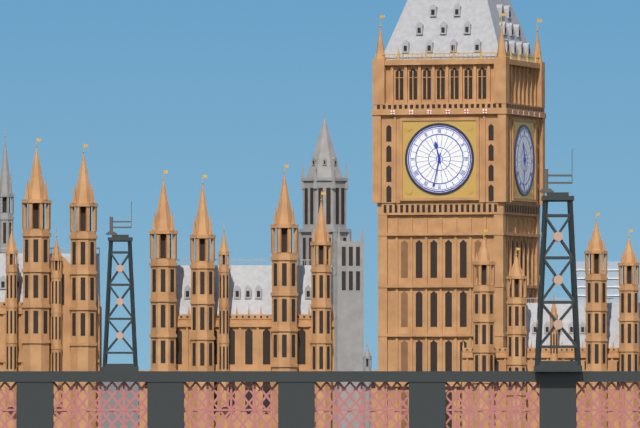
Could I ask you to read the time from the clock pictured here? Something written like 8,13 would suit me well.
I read 11,32
